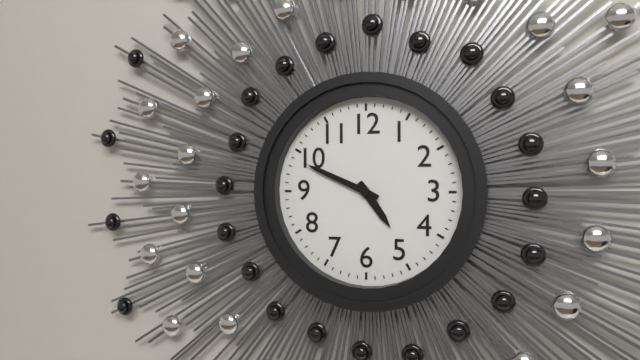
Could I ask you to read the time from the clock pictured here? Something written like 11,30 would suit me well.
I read 4,49
